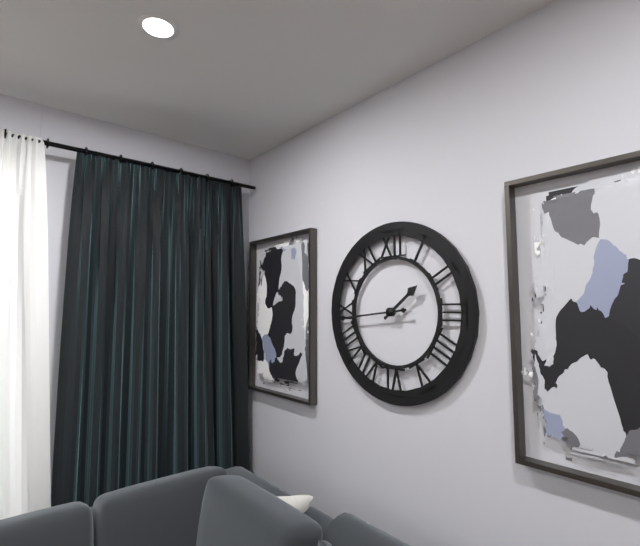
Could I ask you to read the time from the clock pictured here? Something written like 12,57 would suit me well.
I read 1,44
